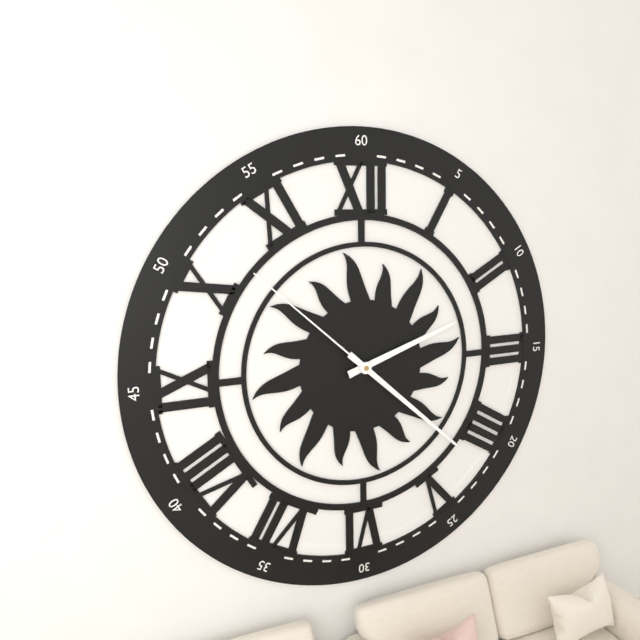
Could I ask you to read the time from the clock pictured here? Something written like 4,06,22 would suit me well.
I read 2,22,52
